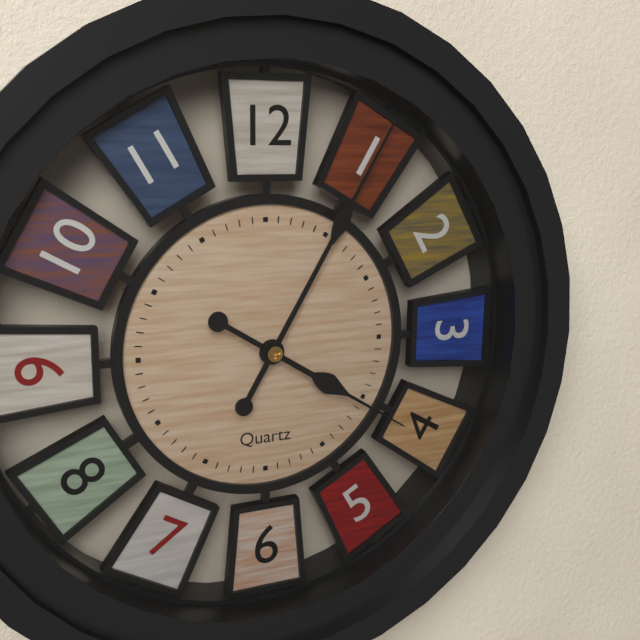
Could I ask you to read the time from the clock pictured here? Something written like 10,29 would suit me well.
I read 4,05
